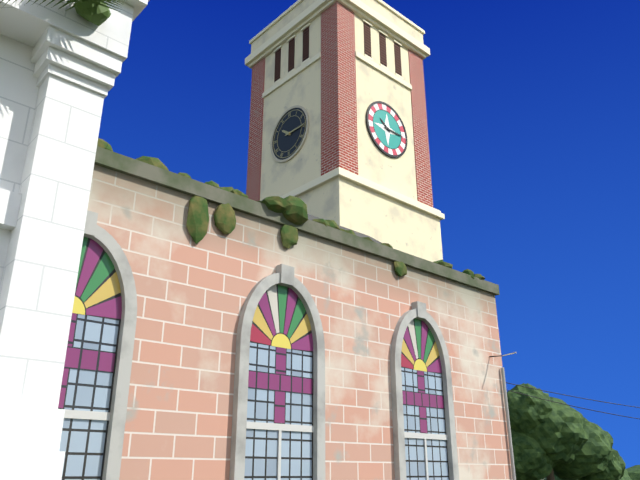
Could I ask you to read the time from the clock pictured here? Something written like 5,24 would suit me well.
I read 10,15
